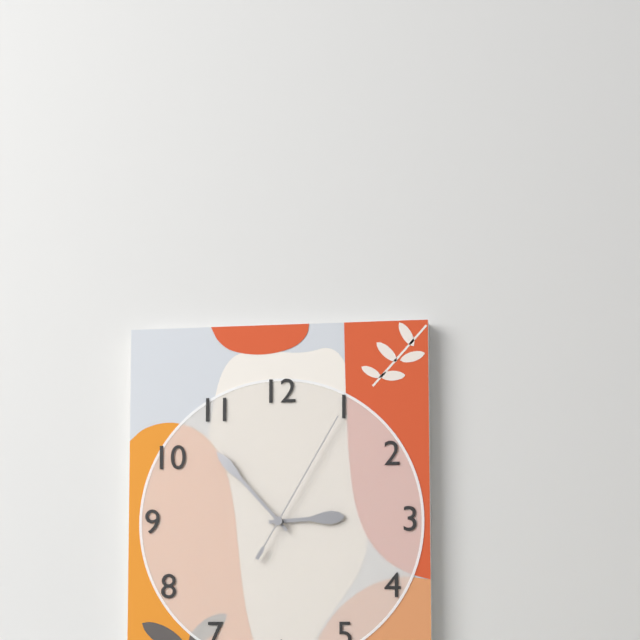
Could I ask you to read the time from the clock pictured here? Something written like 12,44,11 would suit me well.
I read 2,53,05
